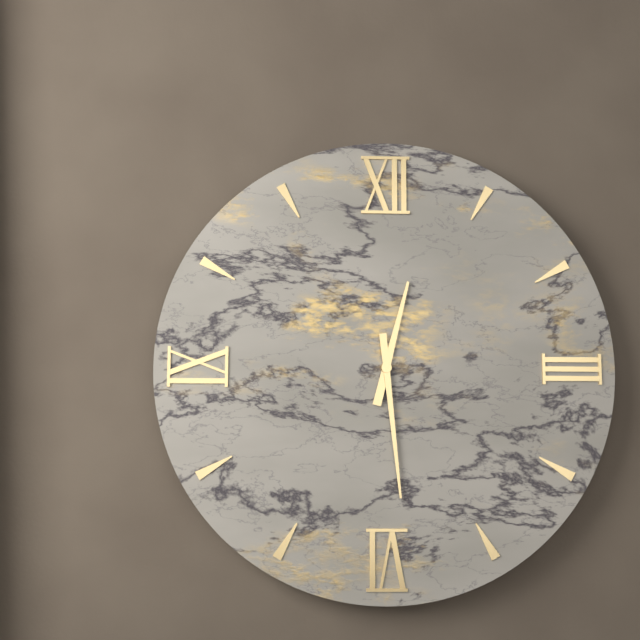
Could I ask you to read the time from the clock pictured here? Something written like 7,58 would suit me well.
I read 12,29
